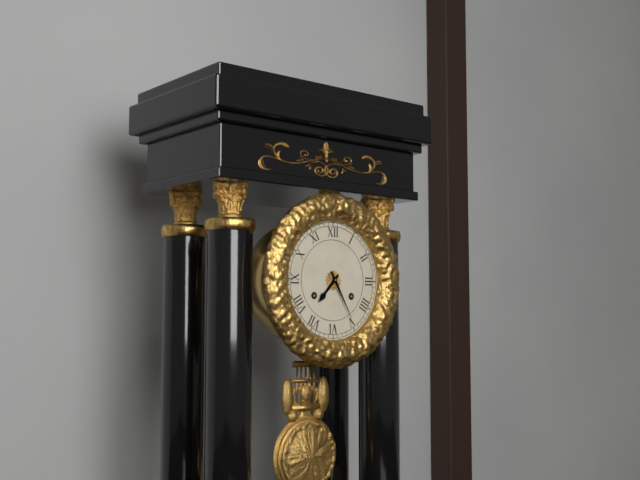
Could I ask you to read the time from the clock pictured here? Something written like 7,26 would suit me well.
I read 7,25
